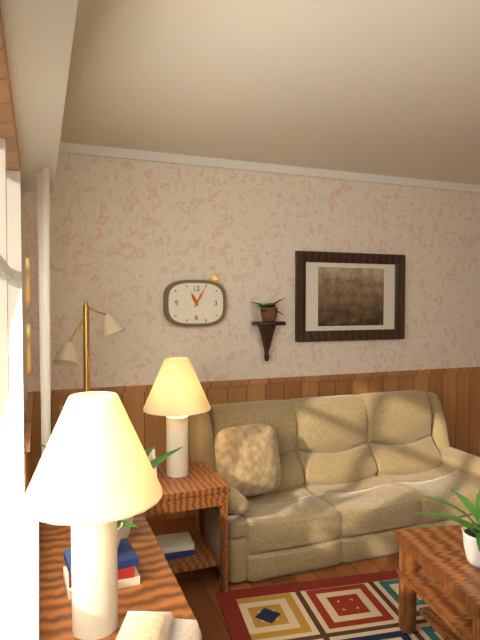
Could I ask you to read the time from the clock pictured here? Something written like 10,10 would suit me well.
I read 11,05
